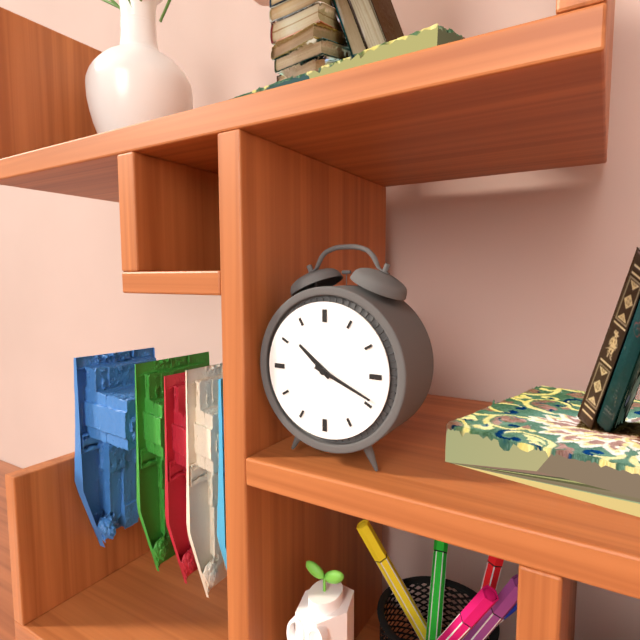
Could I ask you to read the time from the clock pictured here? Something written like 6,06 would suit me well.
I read 10,19
